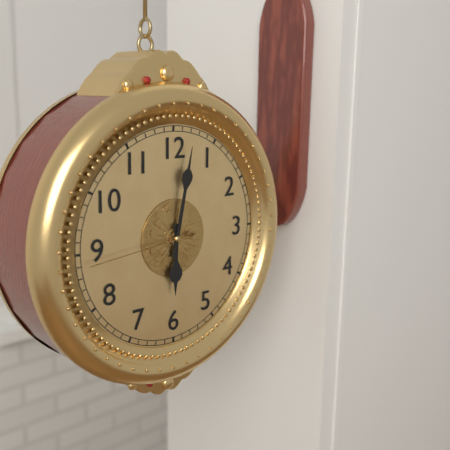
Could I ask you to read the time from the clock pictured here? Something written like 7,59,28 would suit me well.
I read 6,02,44
